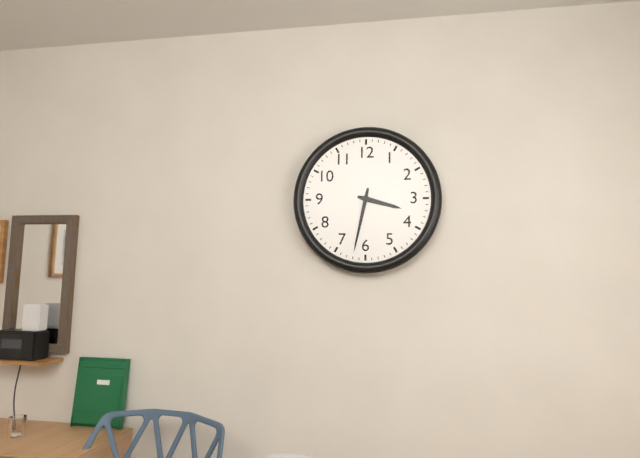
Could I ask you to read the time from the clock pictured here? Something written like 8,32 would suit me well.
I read 3,32
